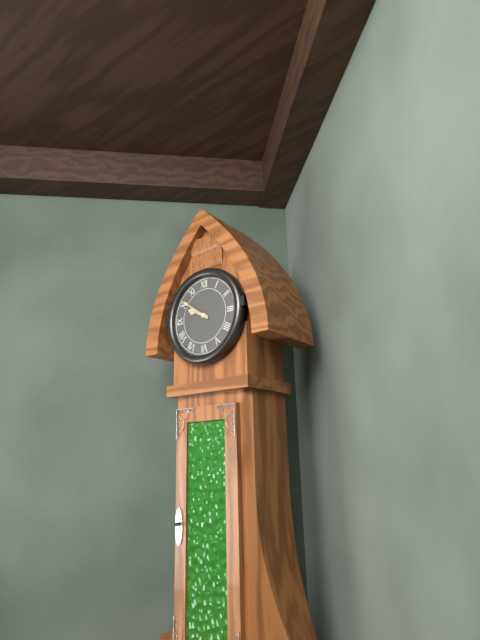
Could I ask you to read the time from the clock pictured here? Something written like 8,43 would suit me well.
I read 9,51
